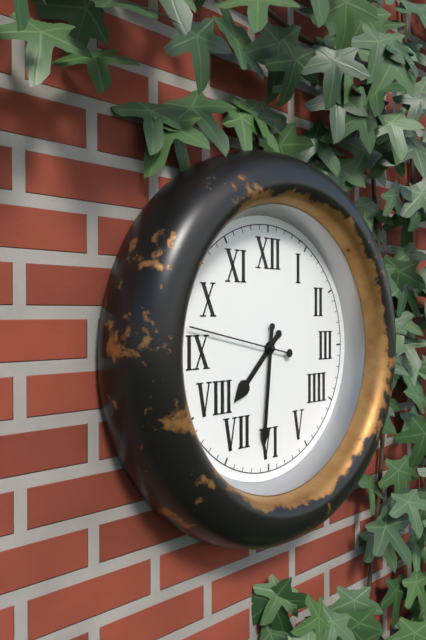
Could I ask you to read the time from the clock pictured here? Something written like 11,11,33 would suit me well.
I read 7,31,47
